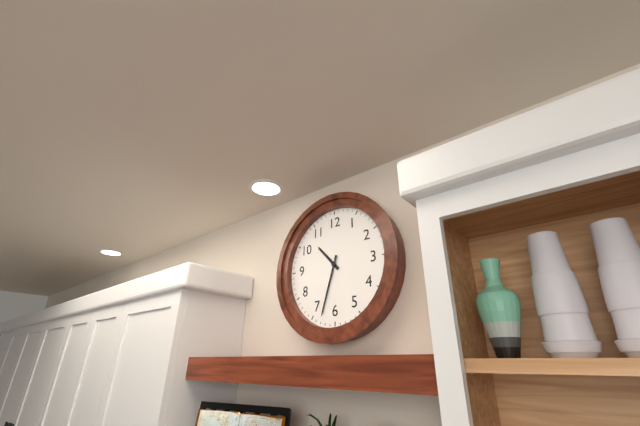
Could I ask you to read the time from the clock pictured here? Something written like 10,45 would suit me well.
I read 10,33
